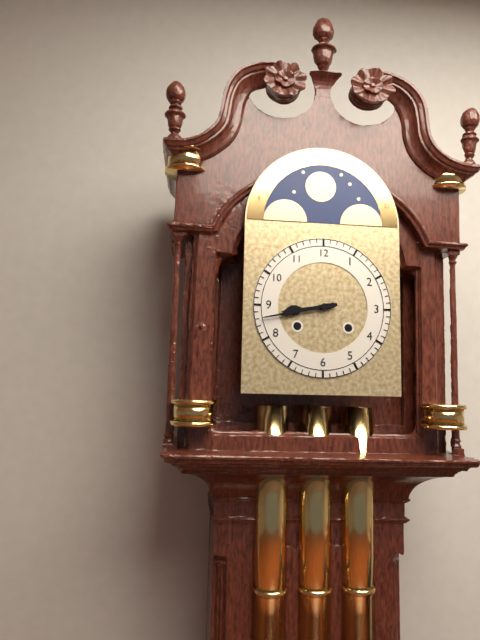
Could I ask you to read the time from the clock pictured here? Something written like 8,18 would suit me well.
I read 8,43
